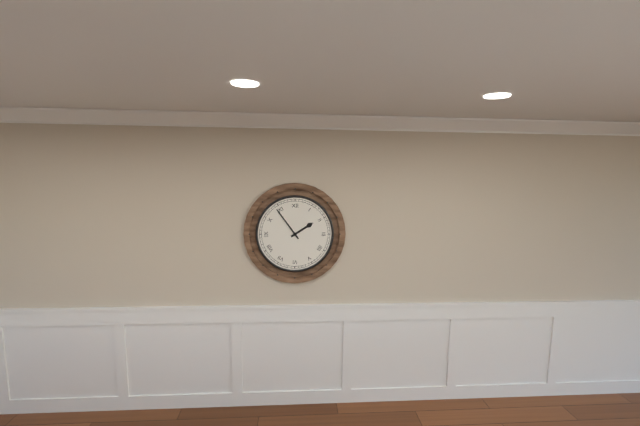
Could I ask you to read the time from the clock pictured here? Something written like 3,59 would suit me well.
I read 1,54
